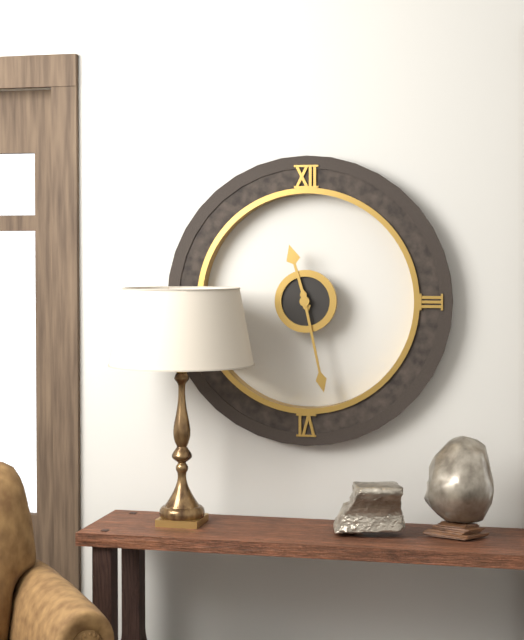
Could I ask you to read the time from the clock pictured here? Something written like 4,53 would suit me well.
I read 11,28
